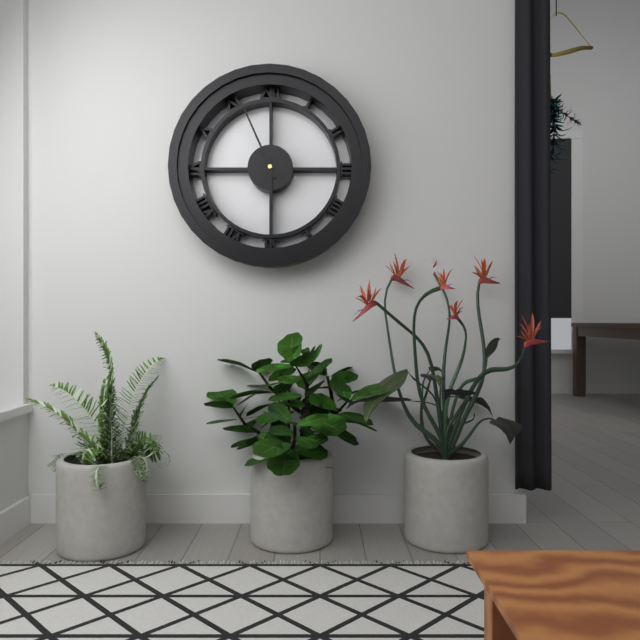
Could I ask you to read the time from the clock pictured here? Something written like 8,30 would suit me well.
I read 5,56
